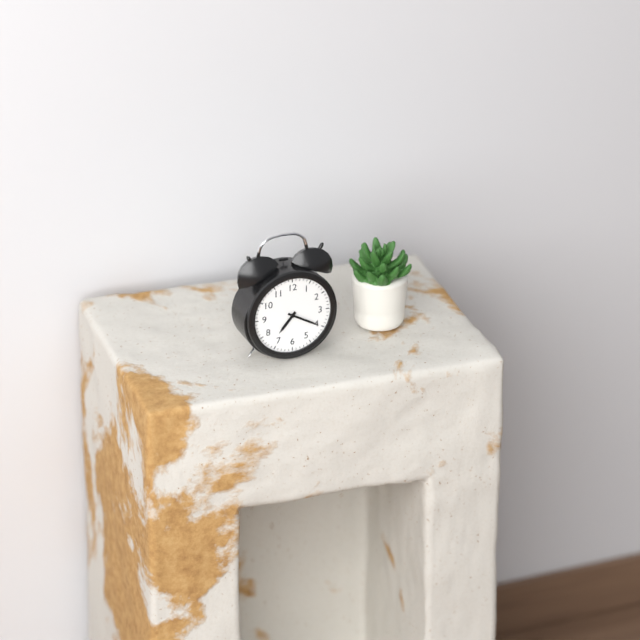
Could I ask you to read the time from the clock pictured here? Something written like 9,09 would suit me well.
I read 7,20
